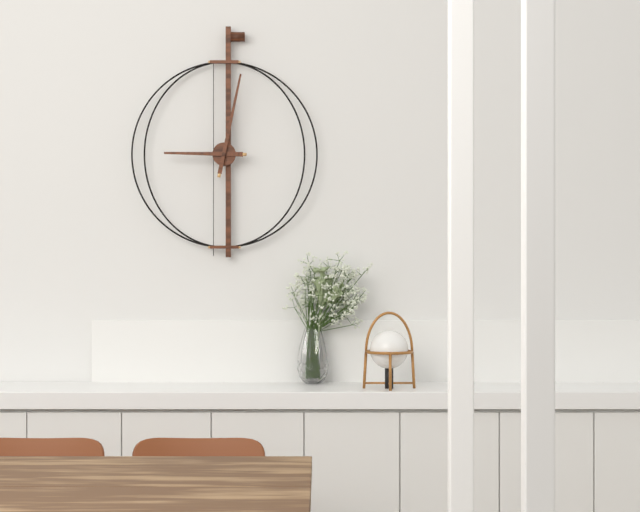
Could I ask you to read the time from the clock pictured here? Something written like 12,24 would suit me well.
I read 9,02
